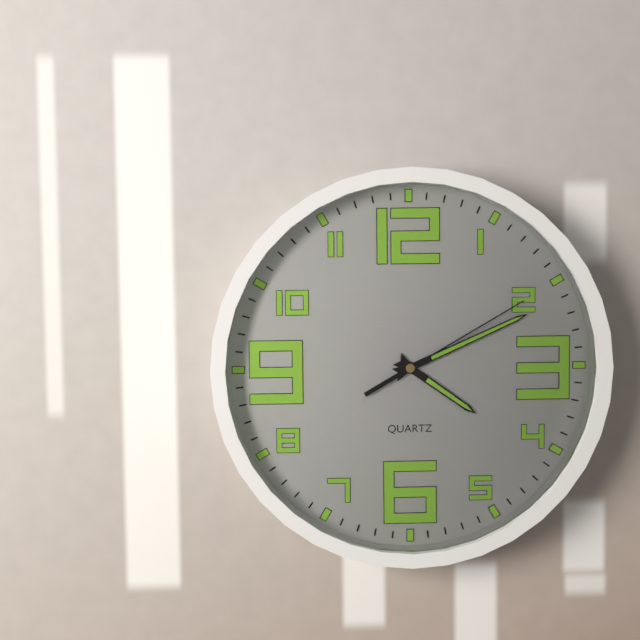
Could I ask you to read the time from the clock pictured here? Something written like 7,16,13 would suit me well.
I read 4,11,10
